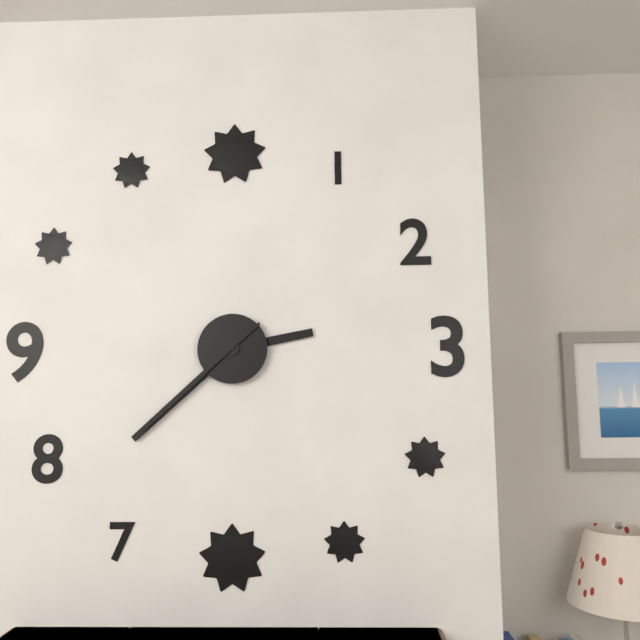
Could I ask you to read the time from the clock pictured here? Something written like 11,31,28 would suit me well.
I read 2,38,38
